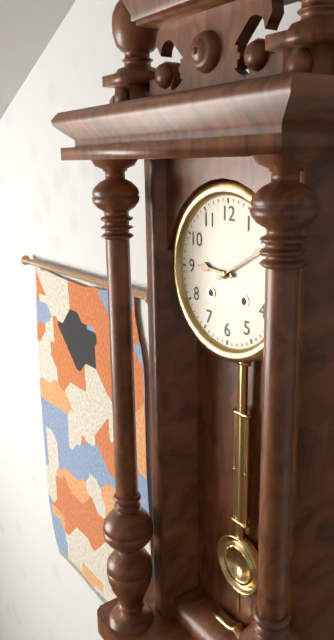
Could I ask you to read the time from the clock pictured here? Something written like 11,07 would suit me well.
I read 9,10
